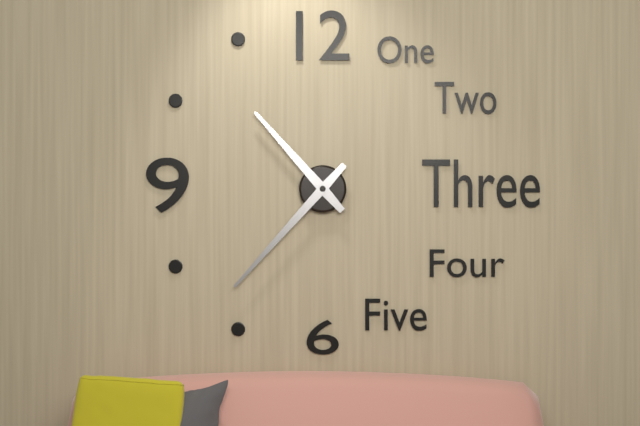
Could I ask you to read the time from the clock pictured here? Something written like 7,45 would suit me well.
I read 10,37
